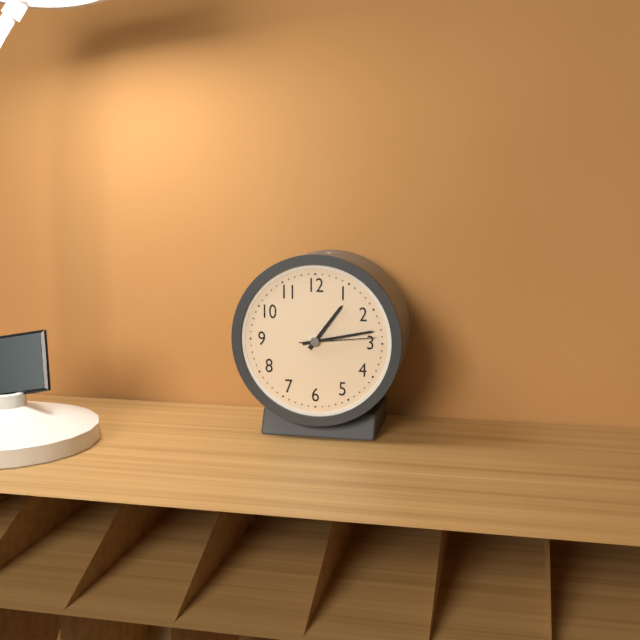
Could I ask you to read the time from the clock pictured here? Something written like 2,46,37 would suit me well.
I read 1,13,14
